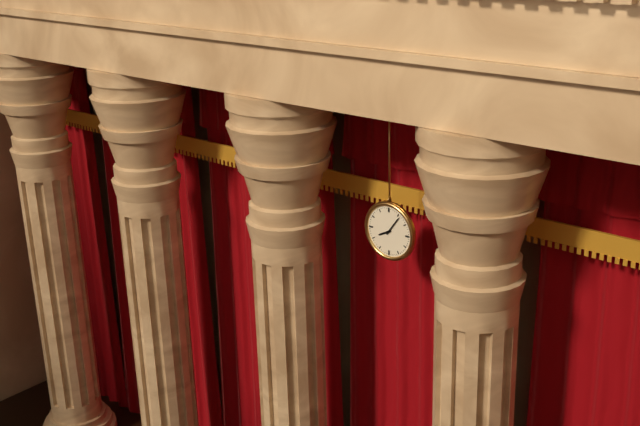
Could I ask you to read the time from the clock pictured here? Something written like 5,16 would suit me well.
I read 8,06
